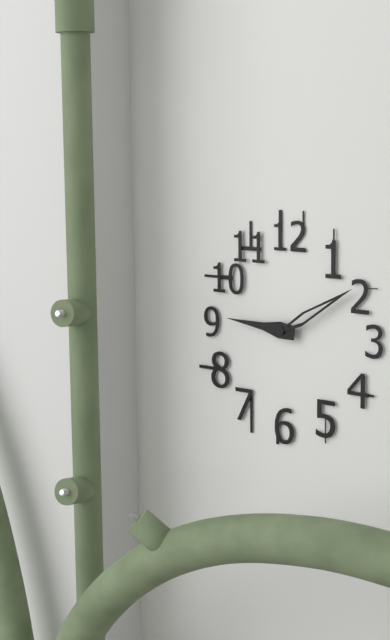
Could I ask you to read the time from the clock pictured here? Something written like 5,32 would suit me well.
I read 9,10
